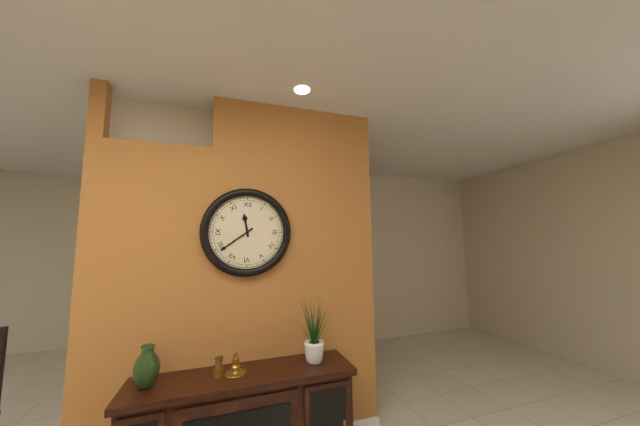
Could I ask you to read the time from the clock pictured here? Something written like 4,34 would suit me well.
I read 11,39
